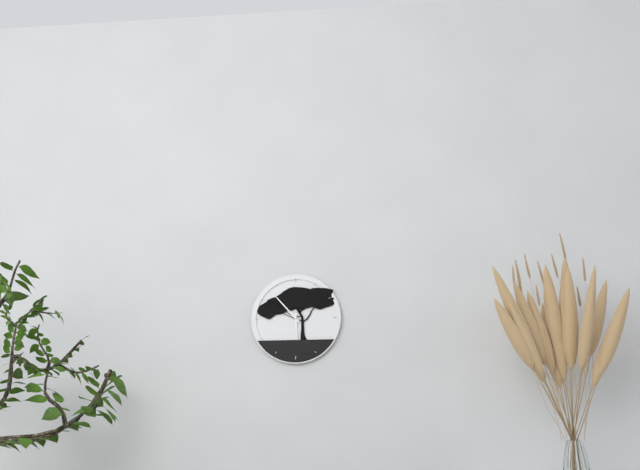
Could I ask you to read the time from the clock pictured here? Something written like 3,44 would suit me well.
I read 5,53
